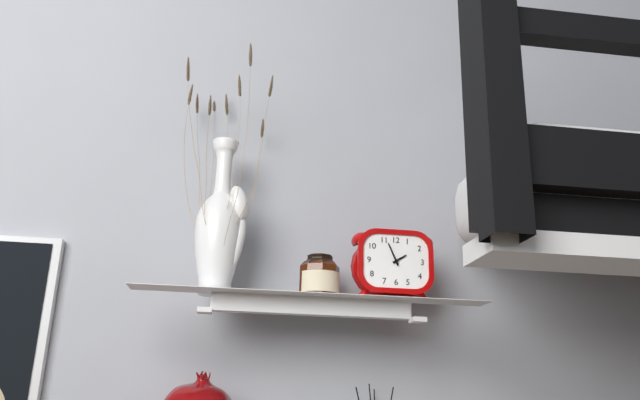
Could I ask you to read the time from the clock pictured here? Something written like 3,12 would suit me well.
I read 1,56
